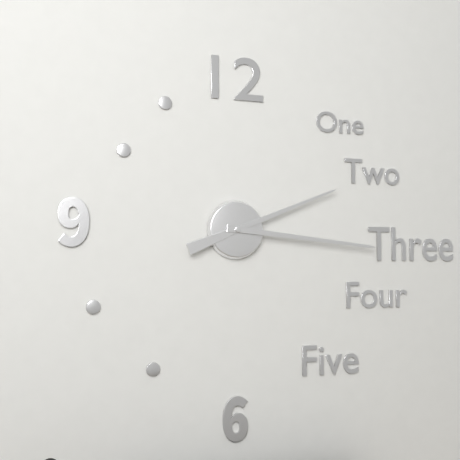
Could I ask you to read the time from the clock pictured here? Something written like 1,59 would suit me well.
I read 2,16
